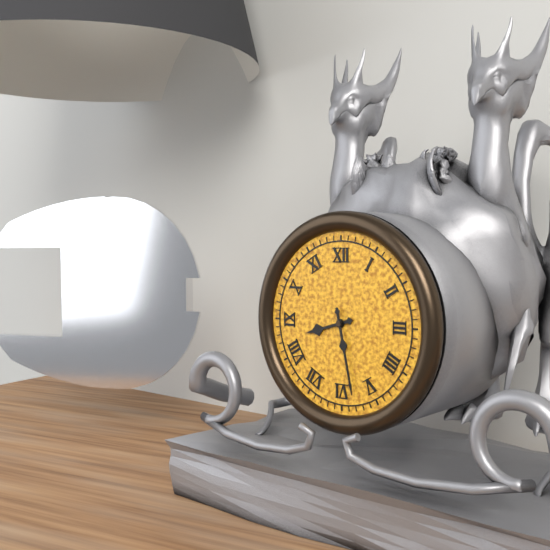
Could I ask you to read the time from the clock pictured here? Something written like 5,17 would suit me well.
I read 8,28
